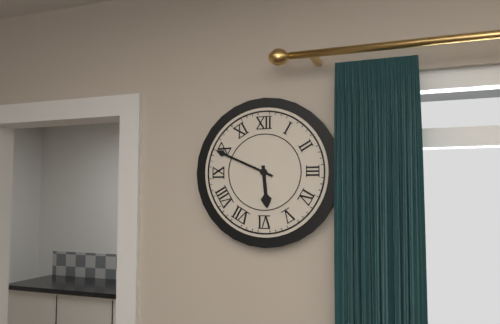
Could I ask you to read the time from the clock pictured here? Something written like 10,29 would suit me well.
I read 5,49
